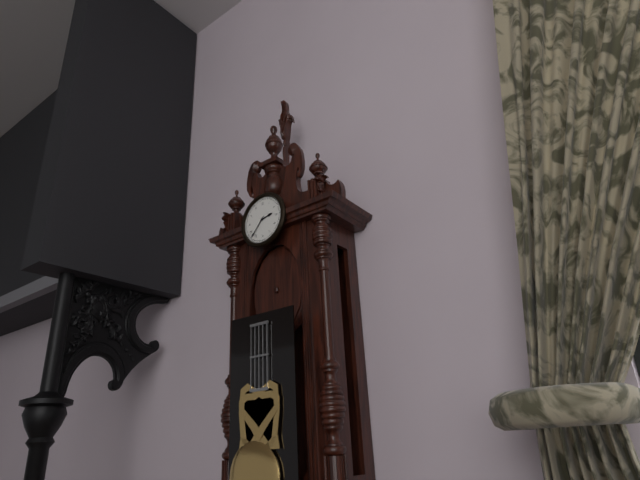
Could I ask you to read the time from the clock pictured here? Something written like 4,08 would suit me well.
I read 2,37
